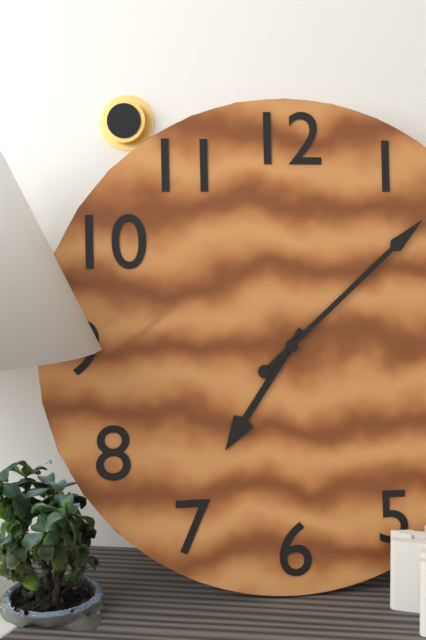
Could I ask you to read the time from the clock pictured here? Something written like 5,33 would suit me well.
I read 7,08
